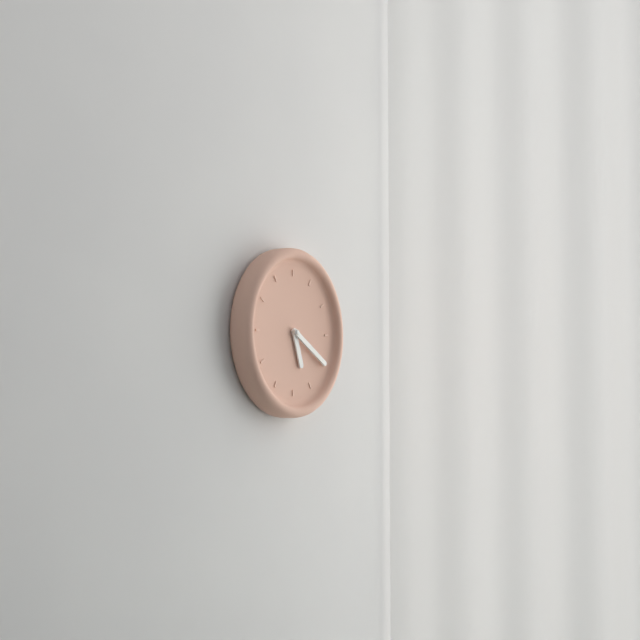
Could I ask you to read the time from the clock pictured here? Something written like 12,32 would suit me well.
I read 5,20
